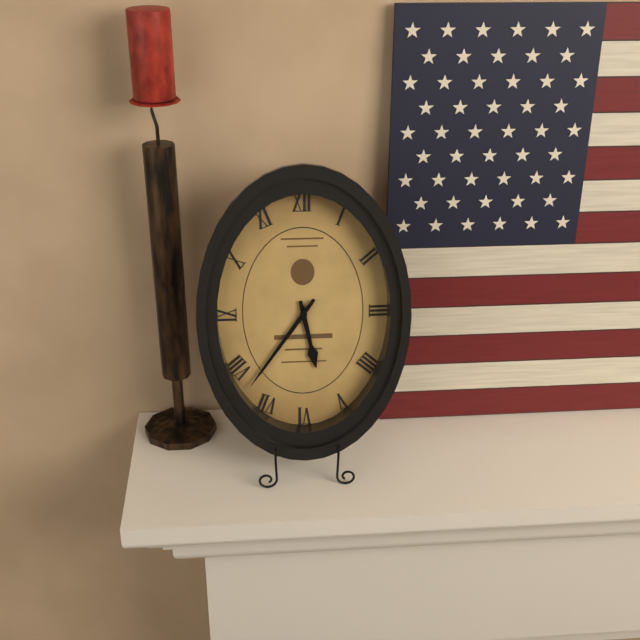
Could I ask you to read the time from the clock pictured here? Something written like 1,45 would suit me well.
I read 5,36
